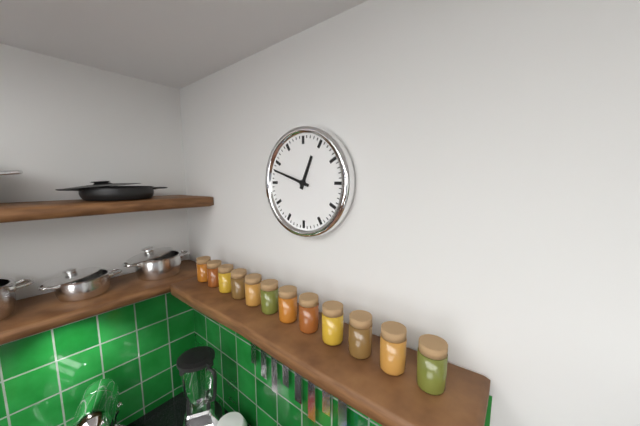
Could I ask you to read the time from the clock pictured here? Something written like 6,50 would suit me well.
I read 12,48
